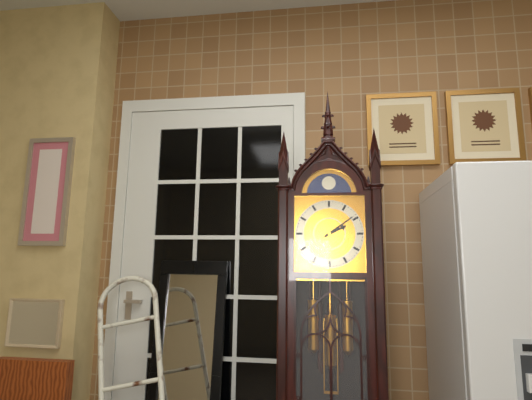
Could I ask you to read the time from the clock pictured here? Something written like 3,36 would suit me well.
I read 2,09
